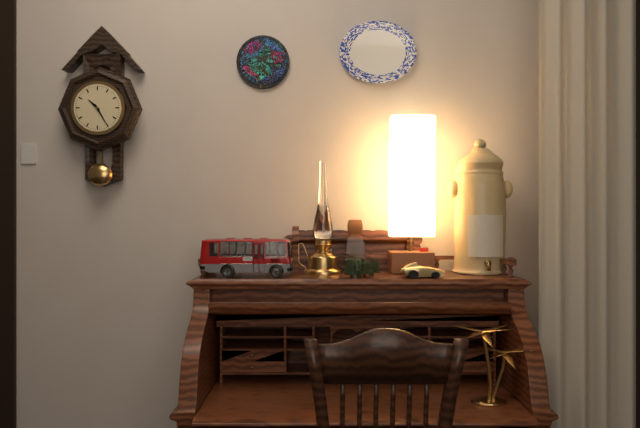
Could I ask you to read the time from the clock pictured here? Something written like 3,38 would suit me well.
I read 10,25
